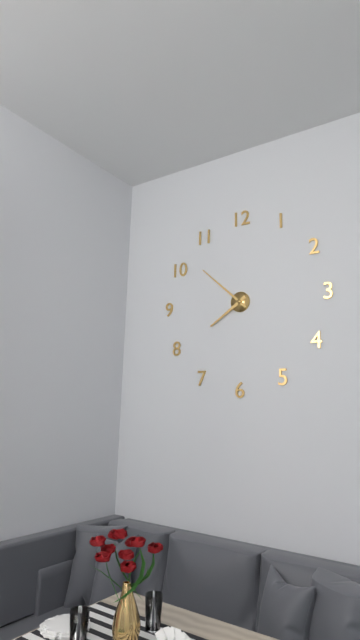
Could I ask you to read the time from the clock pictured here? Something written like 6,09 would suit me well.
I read 7,52
